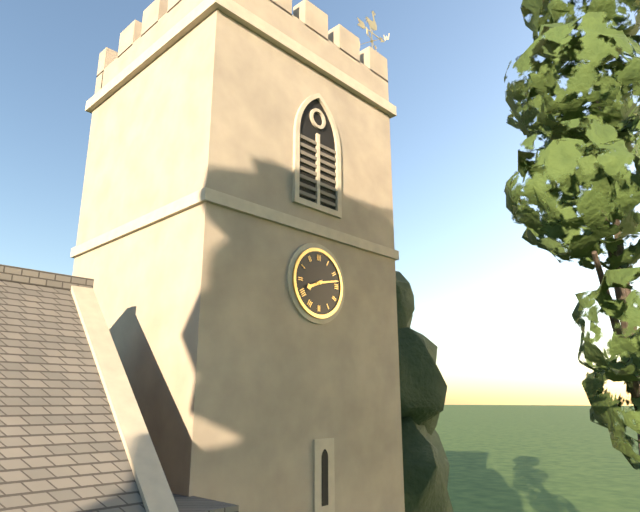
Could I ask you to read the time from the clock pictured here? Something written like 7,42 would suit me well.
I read 8,13
